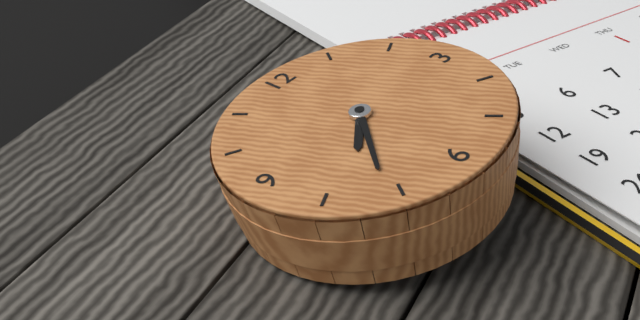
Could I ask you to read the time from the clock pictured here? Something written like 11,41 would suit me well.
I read 7,36
